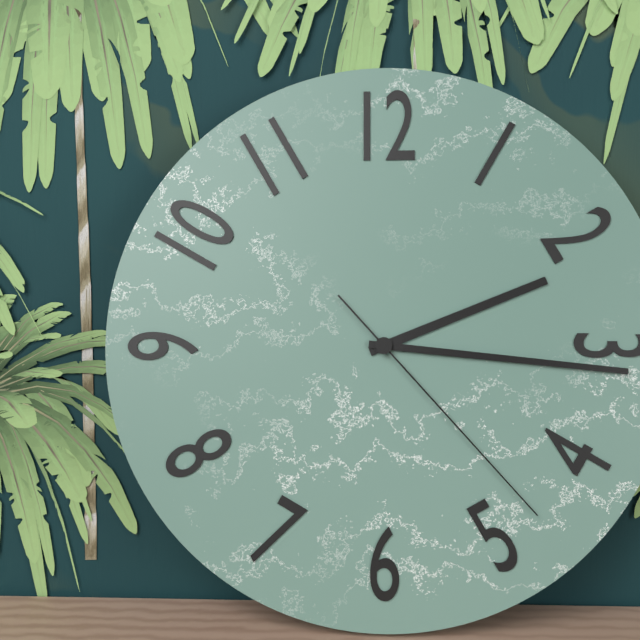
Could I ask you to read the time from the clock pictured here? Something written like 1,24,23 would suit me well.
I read 2,16,23
